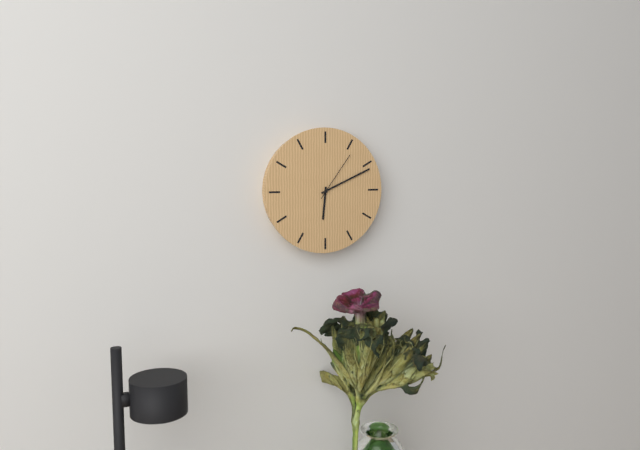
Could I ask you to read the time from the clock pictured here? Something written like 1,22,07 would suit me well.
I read 6,11,06
